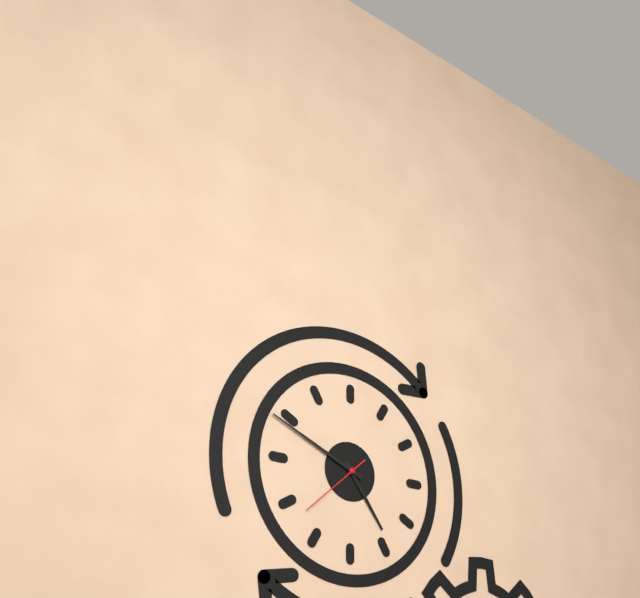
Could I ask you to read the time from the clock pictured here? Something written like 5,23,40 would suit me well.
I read 4,49,38
